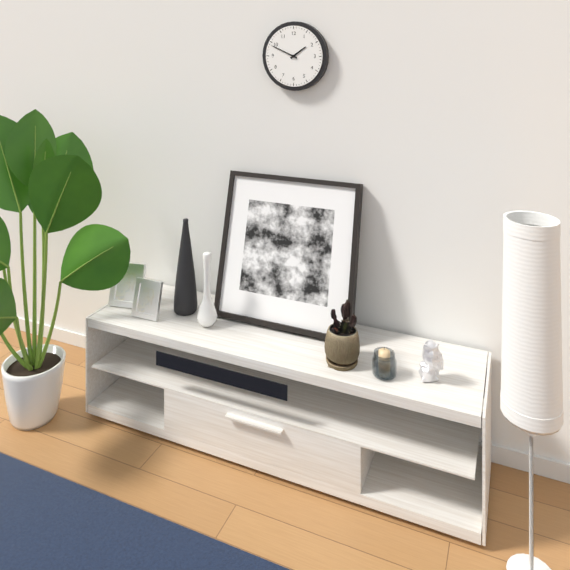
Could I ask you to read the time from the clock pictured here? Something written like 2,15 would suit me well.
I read 1,49
